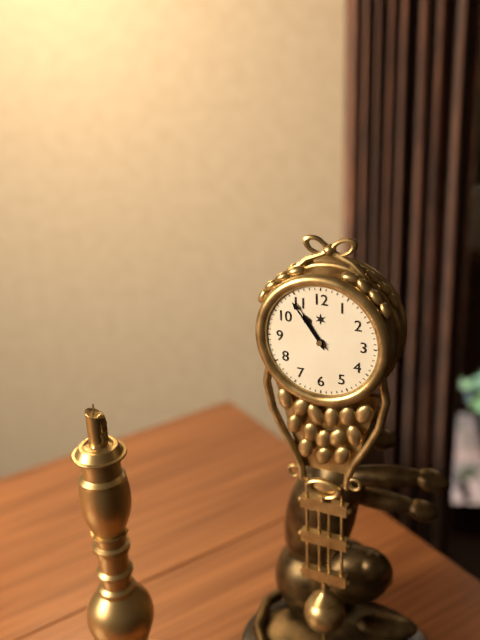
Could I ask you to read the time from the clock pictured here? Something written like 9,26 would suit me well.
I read 10,54
